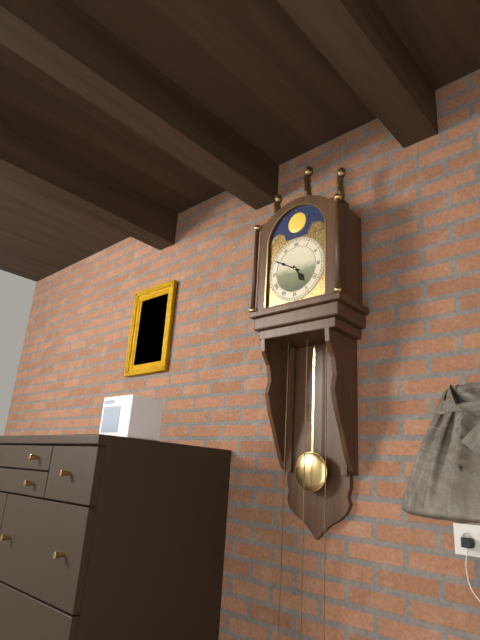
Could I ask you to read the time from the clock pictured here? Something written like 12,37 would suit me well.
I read 4,50
